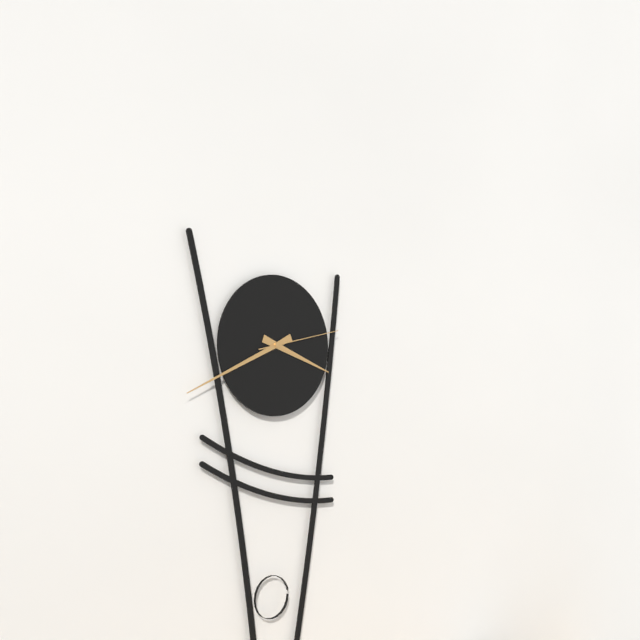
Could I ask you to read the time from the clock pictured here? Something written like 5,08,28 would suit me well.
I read 3,41,13
